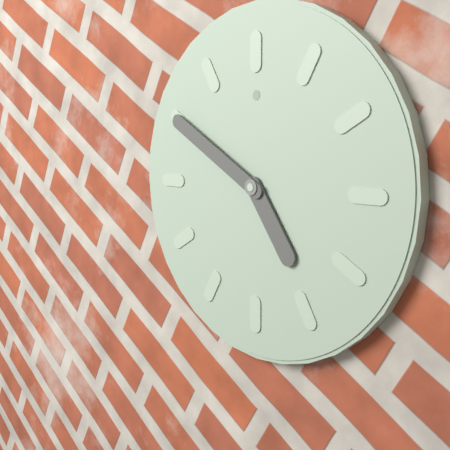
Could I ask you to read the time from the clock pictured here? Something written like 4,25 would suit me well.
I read 4,50
